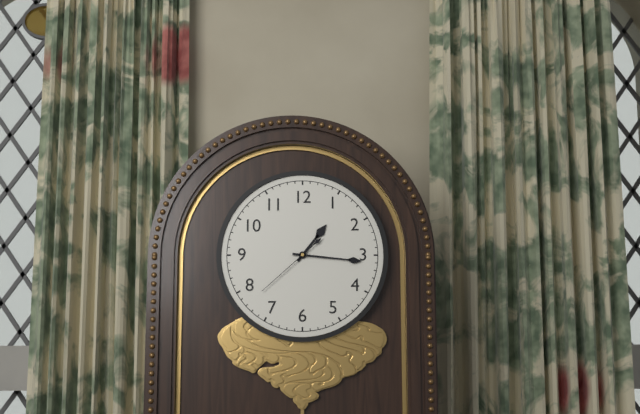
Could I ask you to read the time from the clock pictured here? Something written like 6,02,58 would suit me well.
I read 1,16,38
